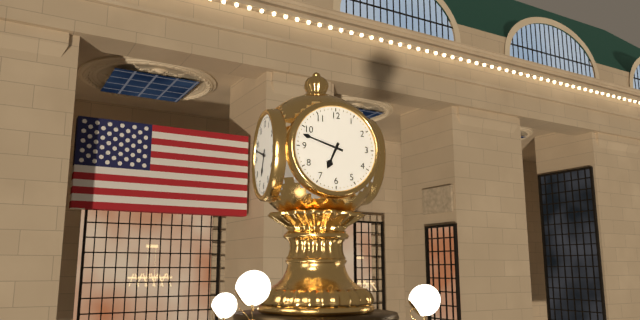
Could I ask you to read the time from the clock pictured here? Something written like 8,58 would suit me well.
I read 6,48
